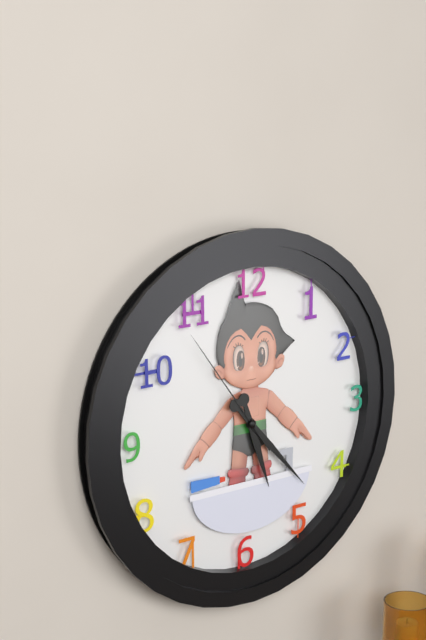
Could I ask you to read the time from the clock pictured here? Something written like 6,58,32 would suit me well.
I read 5,23,54
